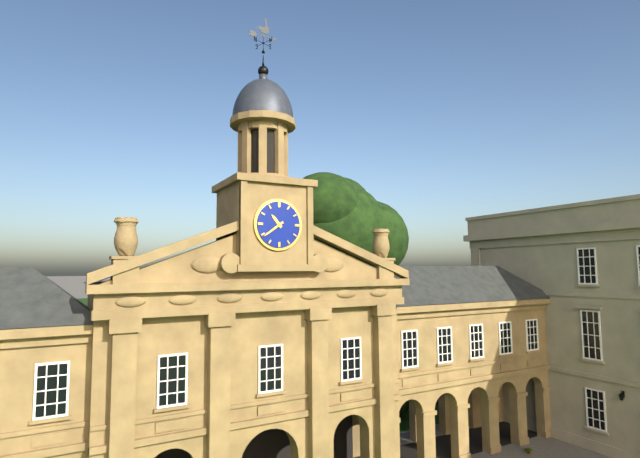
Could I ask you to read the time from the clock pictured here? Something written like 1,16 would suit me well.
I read 10,39
